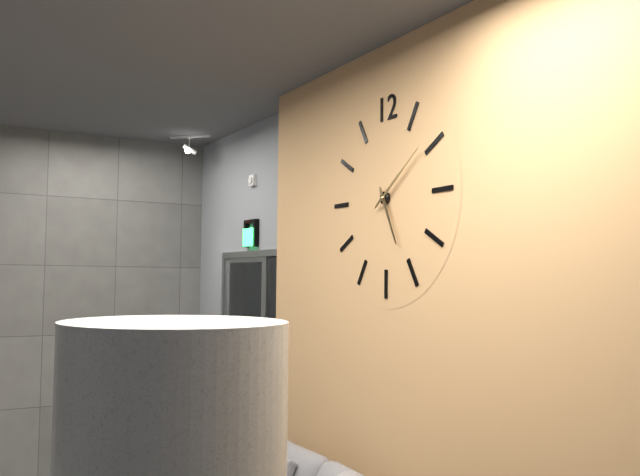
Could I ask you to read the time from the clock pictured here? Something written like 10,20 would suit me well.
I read 5,09
